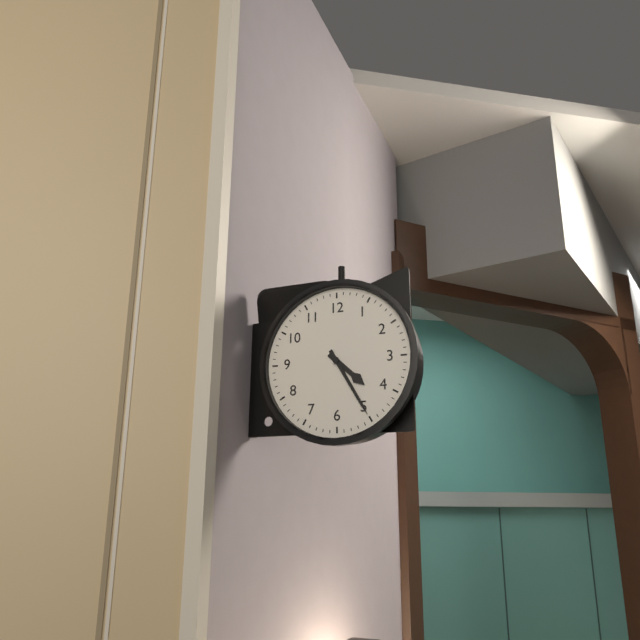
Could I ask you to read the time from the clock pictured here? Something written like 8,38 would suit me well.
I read 4,25
